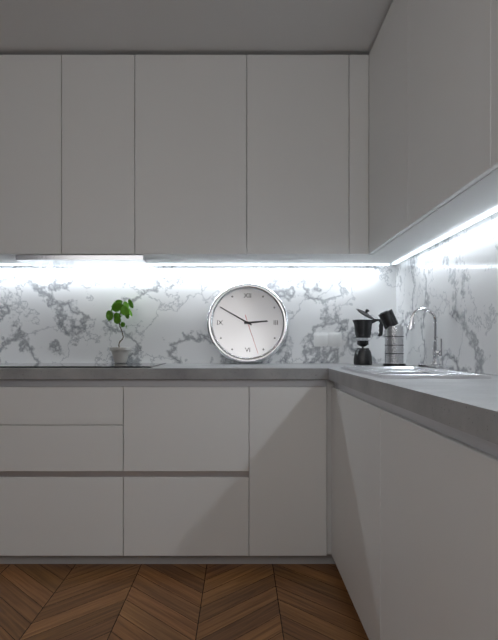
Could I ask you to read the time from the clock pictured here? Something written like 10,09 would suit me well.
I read 2,50
